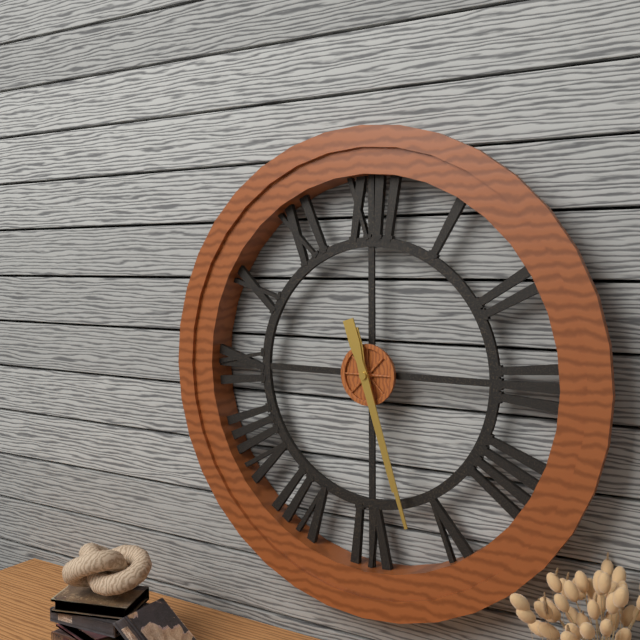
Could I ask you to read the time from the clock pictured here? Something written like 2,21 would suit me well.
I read 5,27
